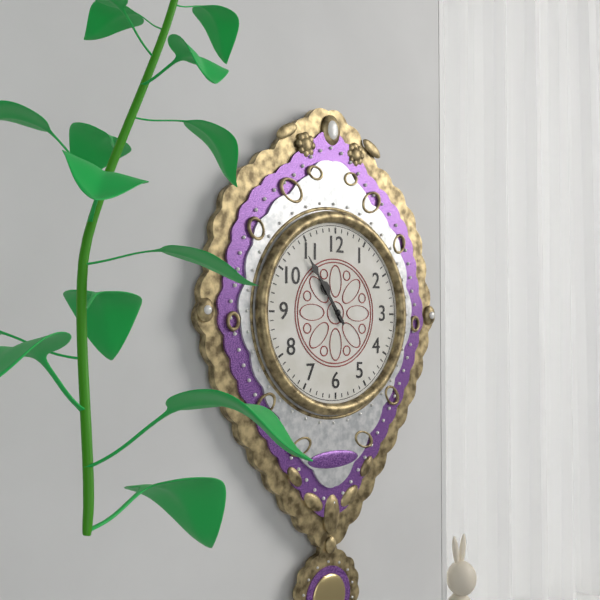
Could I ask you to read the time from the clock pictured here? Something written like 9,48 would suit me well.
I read 10,54
